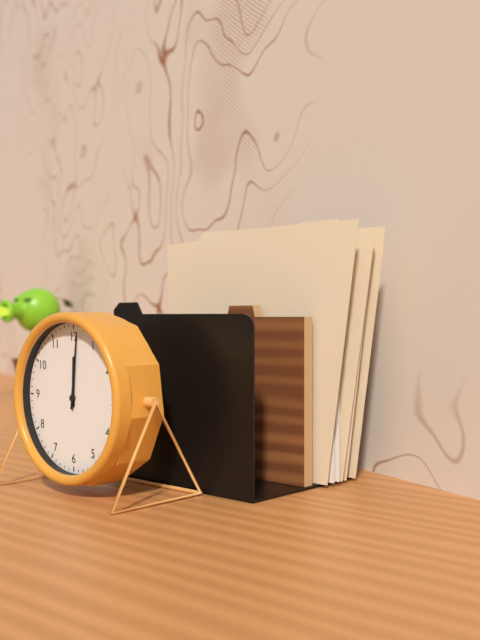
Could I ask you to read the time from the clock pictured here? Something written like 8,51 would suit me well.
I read 12,01
